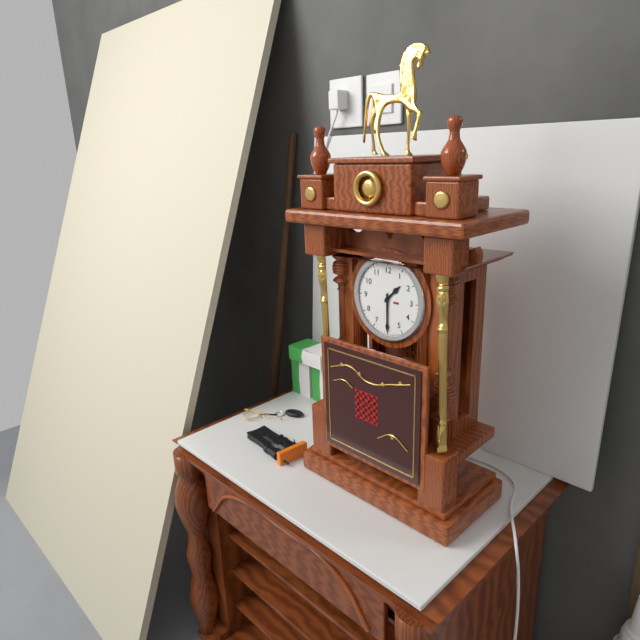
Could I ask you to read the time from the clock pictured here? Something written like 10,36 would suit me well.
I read 1,30
